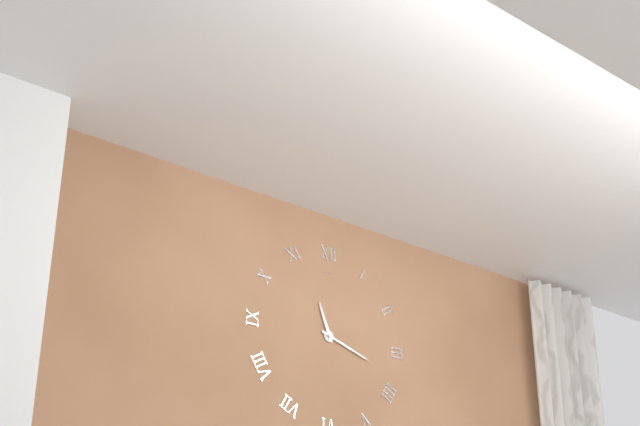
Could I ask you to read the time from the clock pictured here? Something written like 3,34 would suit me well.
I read 11,18
